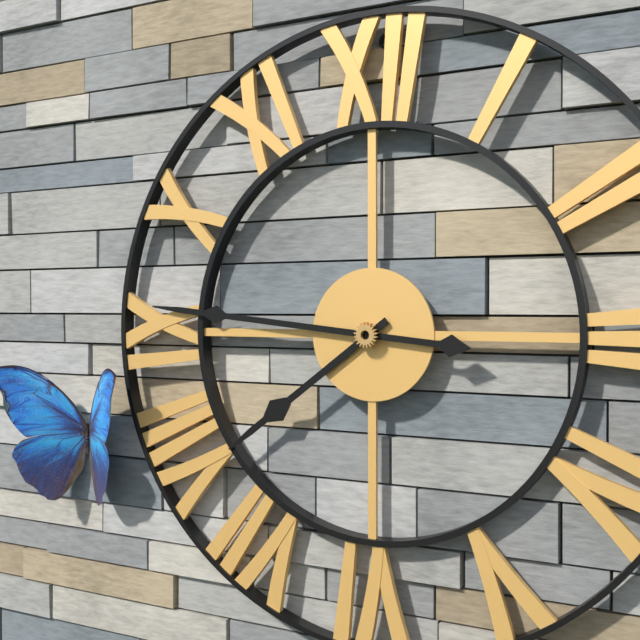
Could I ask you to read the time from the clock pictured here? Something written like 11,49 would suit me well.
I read 7,46
